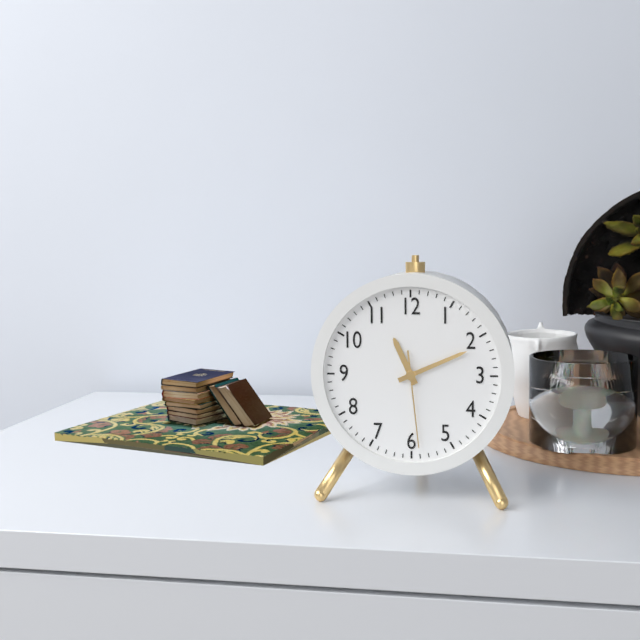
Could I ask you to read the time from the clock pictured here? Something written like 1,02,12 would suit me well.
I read 11,11,29
